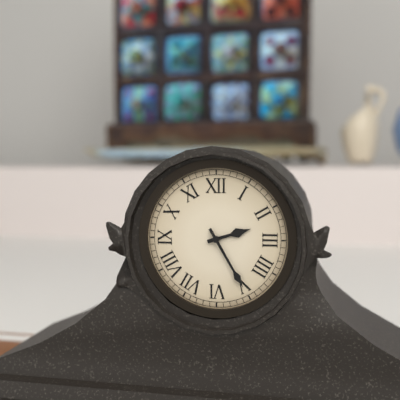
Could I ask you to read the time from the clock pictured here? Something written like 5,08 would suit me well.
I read 2,25
